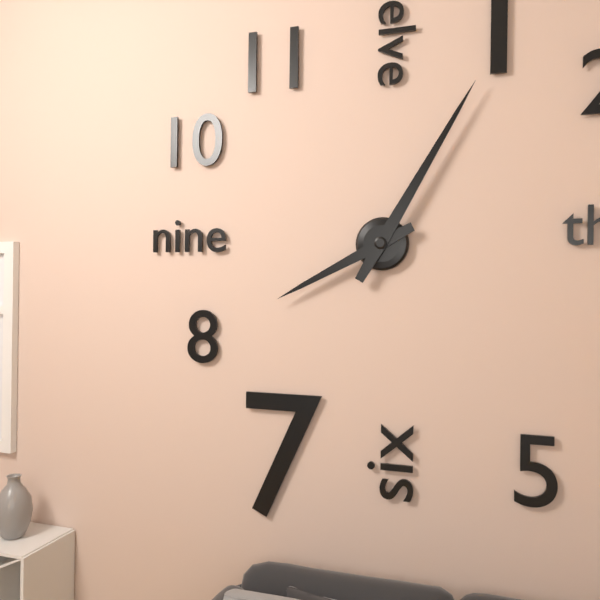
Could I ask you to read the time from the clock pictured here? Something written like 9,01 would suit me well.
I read 8,05
